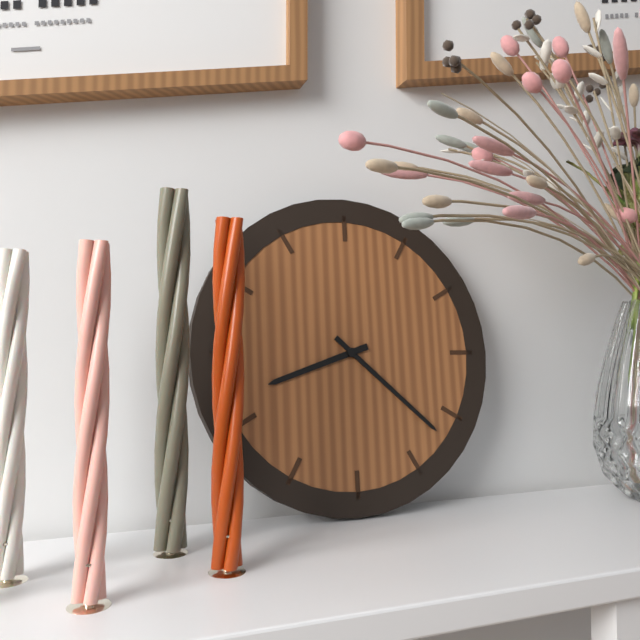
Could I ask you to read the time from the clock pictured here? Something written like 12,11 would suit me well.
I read 8,22
